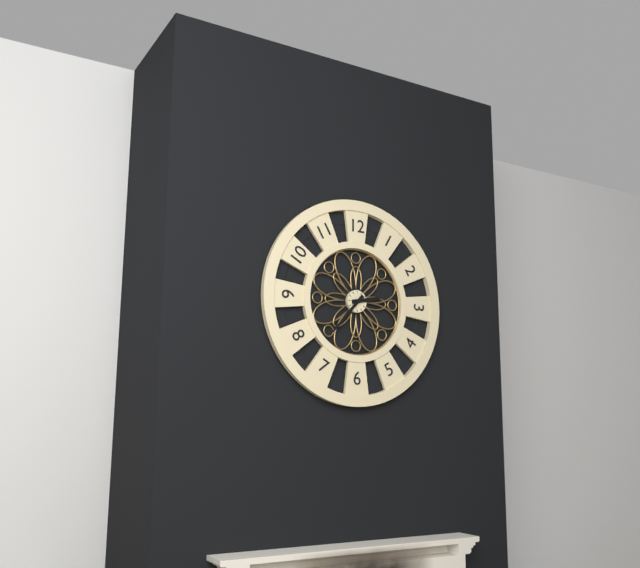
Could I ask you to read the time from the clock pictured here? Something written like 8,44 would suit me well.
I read 2,37
